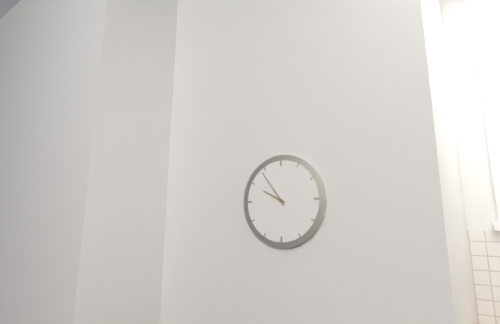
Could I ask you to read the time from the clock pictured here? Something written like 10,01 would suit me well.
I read 9,54
